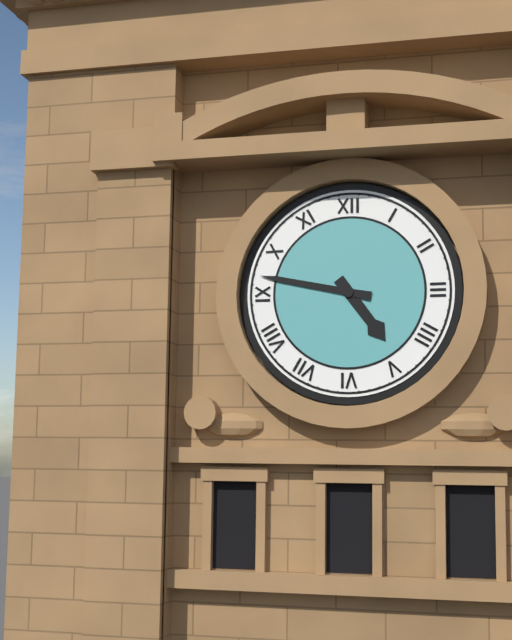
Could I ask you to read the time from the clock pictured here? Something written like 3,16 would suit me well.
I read 4,47
